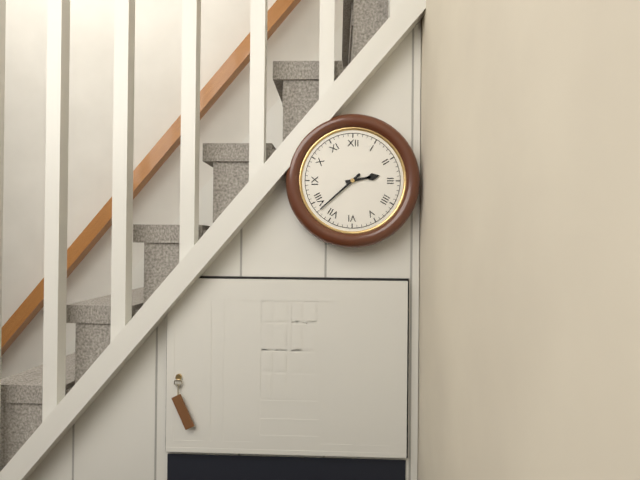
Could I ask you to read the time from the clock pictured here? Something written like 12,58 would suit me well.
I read 2,38
